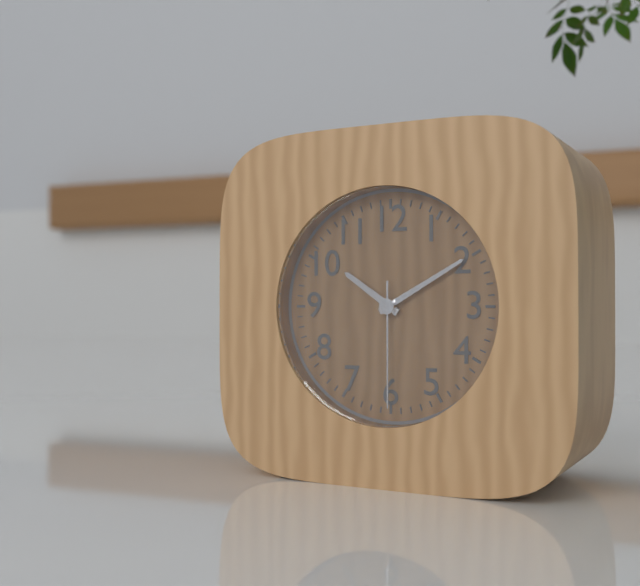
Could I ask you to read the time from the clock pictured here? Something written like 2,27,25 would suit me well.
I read 10,10,30
